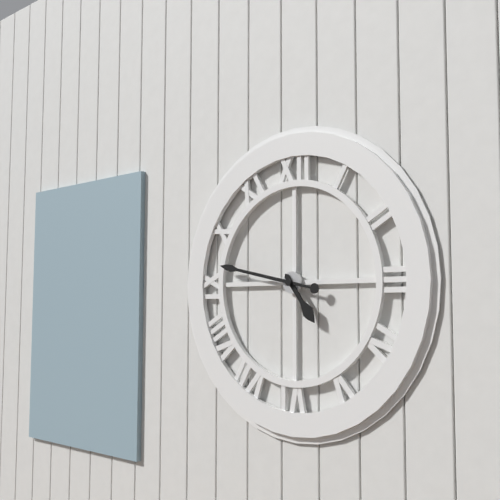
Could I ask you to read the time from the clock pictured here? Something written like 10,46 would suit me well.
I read 4,47
